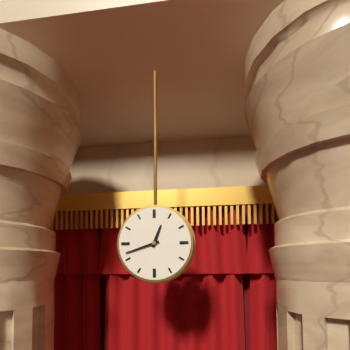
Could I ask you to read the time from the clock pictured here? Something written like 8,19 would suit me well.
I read 12,42
